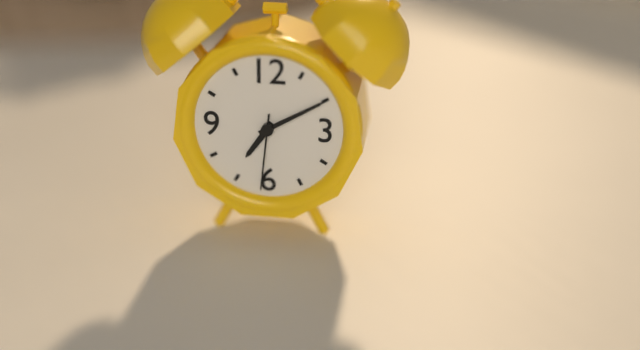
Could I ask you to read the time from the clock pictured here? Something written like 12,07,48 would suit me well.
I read 7,10,31
